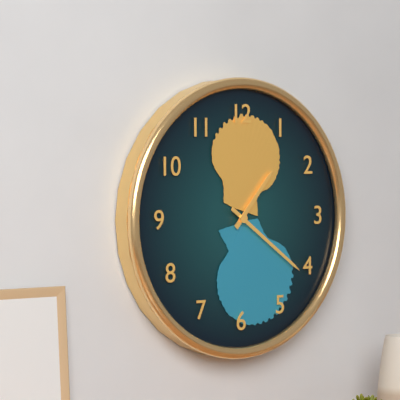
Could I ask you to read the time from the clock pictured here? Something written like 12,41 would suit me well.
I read 1,21
